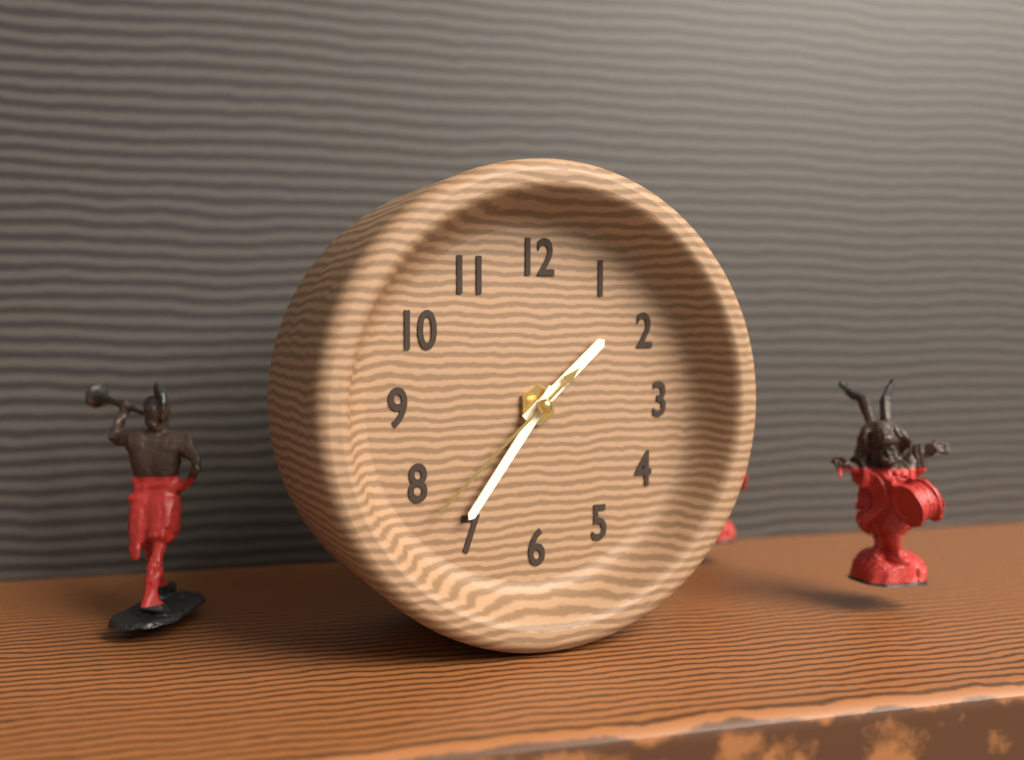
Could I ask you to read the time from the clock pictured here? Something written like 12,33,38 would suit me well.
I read 1,36,38
